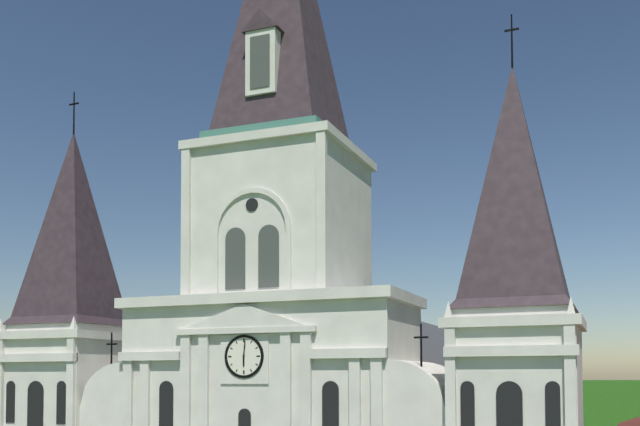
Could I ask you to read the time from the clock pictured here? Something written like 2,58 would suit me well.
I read 6,01
